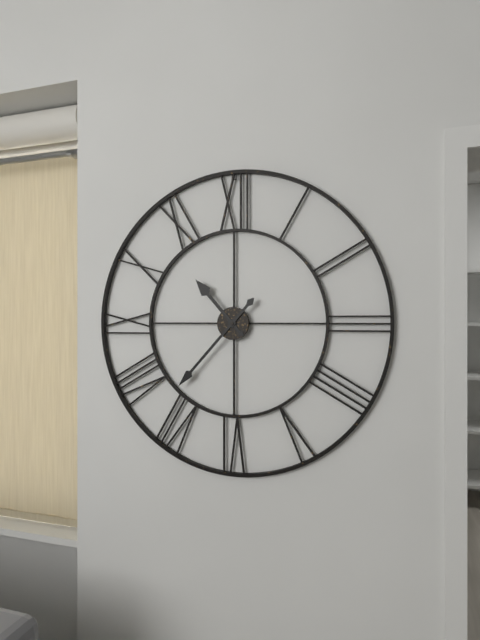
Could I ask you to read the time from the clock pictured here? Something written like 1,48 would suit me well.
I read 10,37
